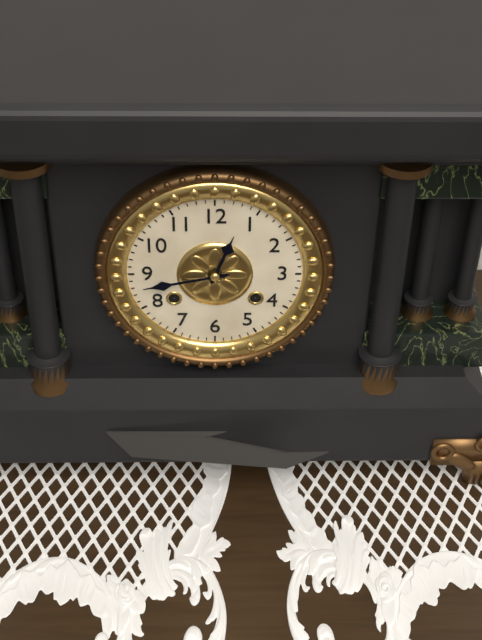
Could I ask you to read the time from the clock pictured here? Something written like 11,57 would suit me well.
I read 12,43
